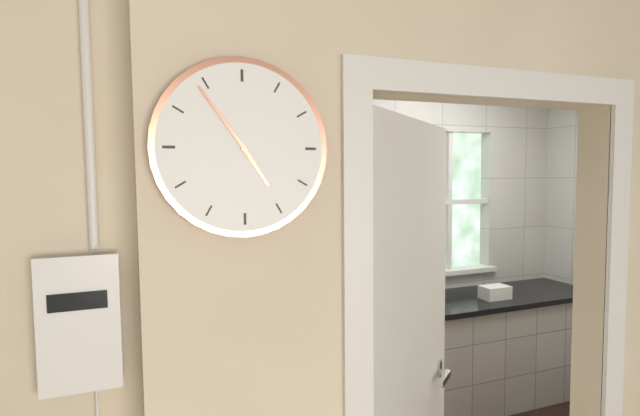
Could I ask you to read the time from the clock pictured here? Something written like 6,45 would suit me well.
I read 4,54
